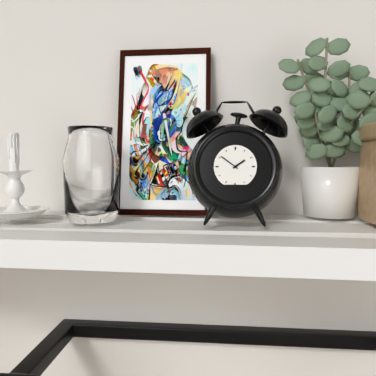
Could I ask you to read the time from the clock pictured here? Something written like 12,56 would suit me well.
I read 1,51
